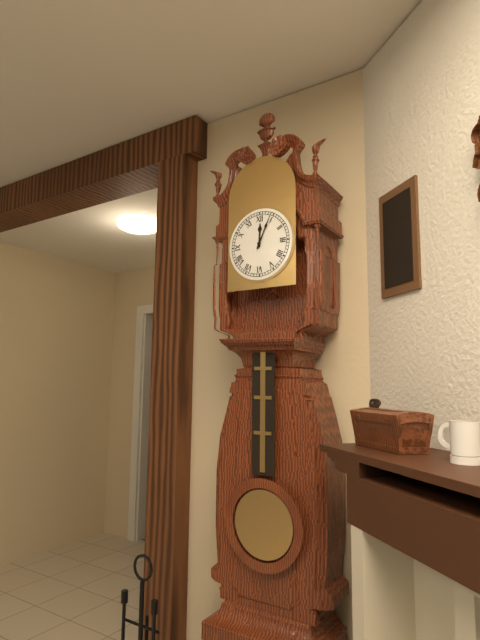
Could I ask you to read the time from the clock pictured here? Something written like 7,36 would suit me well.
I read 12,04
